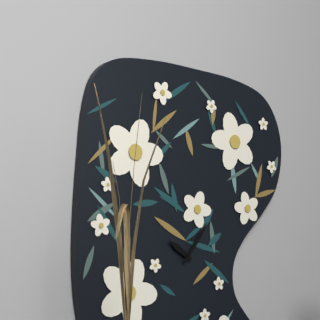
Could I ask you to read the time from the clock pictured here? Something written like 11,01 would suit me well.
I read 10,06
